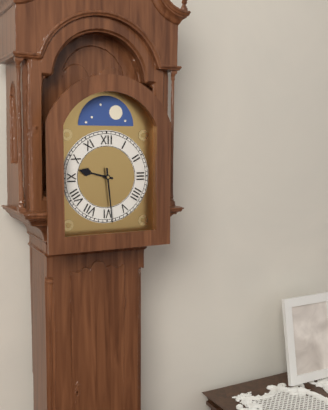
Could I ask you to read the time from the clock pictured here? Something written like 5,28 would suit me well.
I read 9,29
